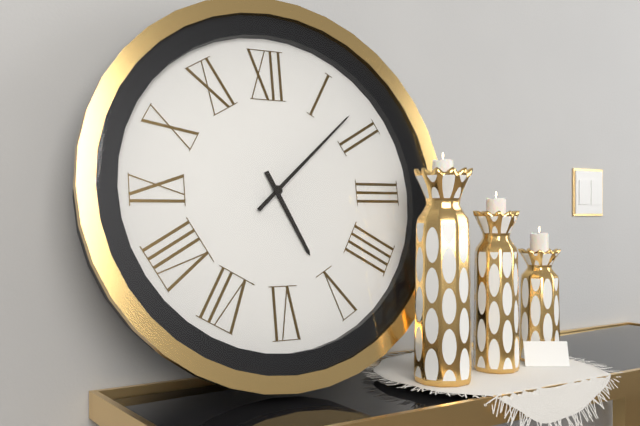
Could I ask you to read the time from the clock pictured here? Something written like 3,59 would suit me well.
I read 5,08
